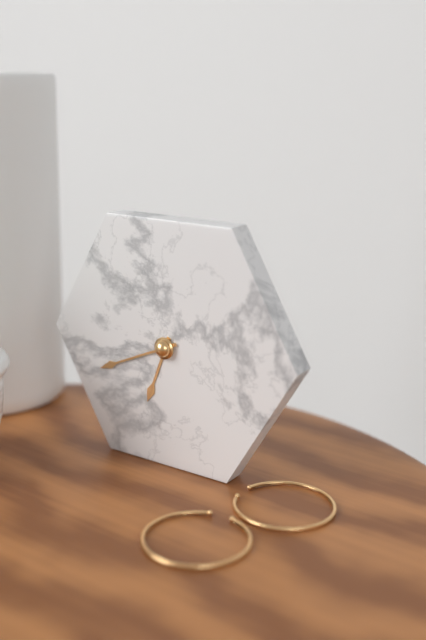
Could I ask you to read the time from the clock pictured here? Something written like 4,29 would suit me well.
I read 6,41
